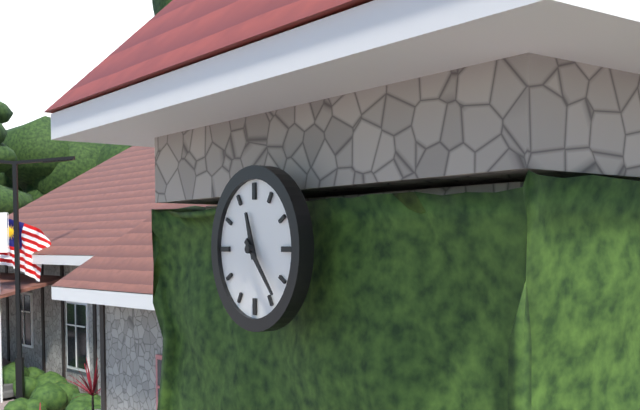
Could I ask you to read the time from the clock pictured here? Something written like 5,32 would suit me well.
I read 11,23
